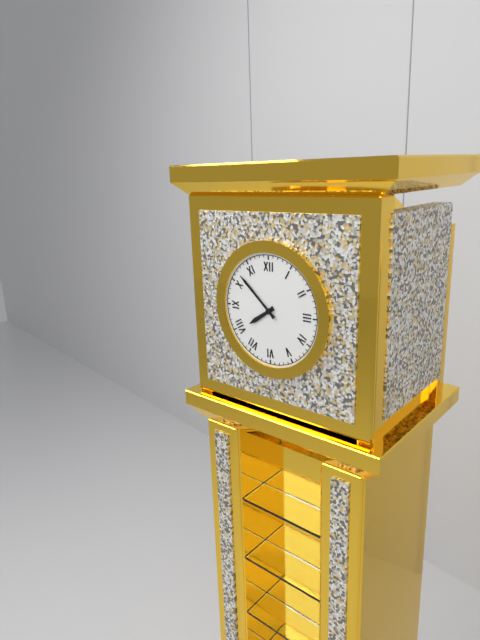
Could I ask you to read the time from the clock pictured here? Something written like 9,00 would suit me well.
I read 7,52
